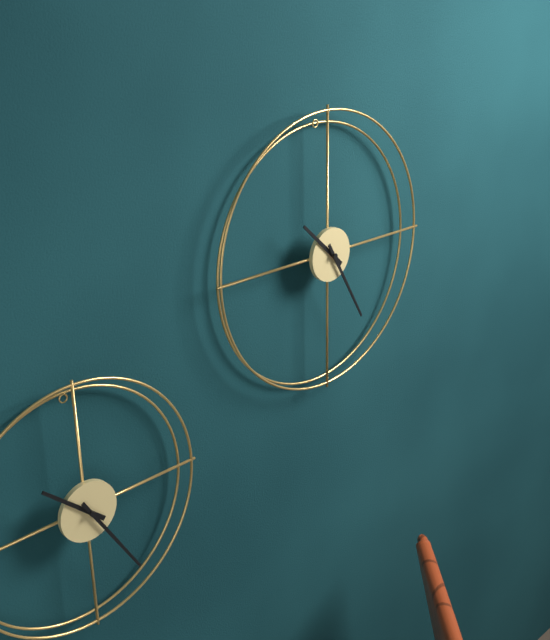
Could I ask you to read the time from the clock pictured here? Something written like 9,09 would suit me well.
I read 10,25
